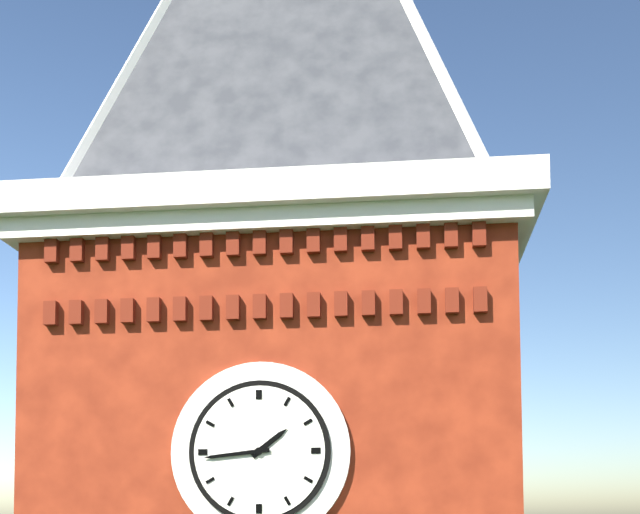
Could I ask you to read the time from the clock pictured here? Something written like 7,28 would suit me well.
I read 1,44
